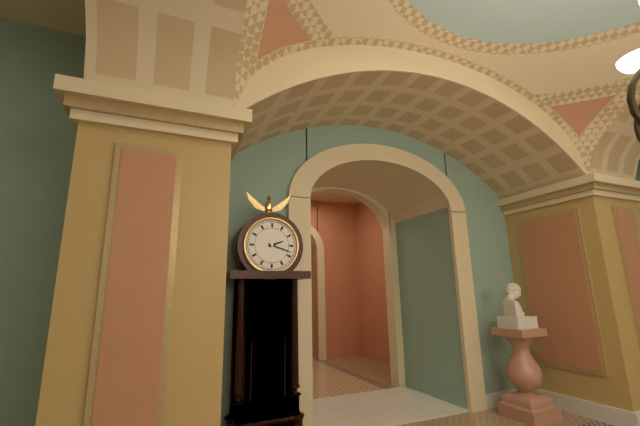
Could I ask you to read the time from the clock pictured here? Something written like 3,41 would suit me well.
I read 2,18
